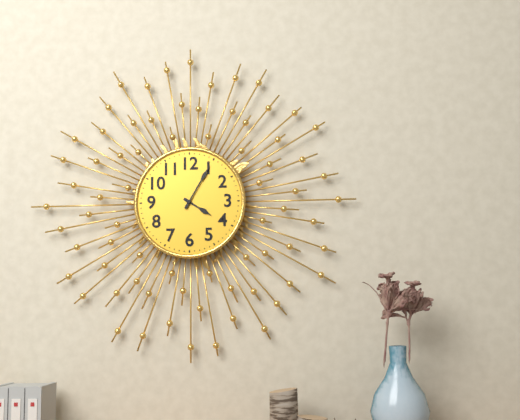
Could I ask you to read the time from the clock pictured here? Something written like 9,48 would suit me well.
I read 4,05
